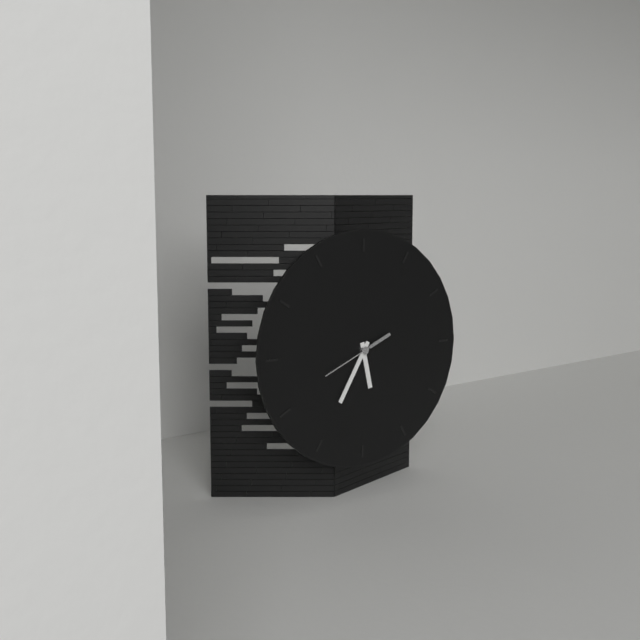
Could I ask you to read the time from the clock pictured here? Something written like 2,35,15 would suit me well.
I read 5,35,41
